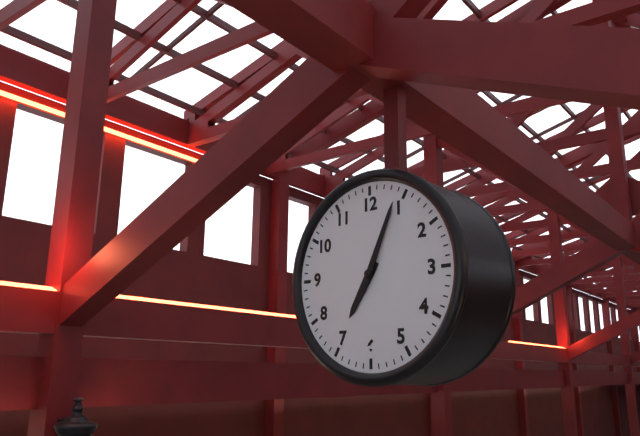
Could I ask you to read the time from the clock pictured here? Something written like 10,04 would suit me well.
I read 7,04
